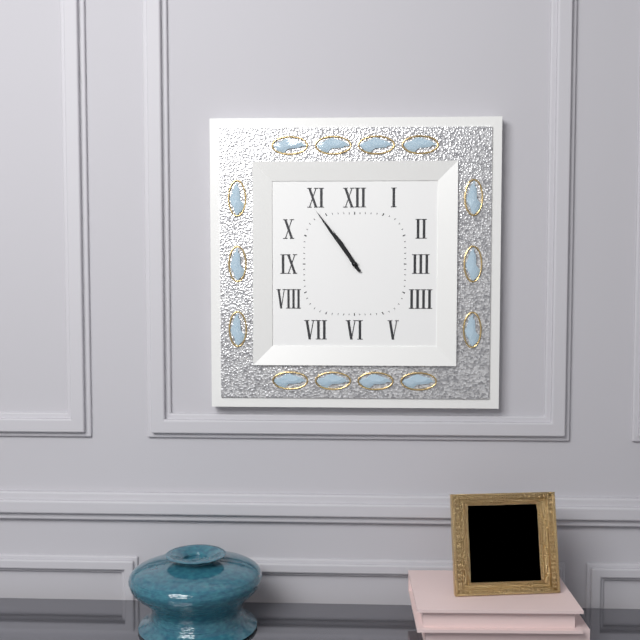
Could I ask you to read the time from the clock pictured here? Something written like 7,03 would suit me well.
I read 10,54
